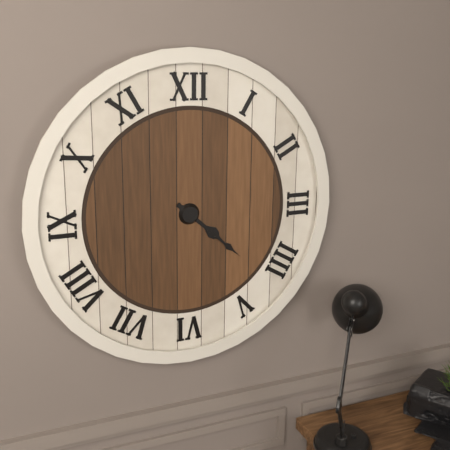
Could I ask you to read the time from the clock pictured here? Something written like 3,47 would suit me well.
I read 4,22
